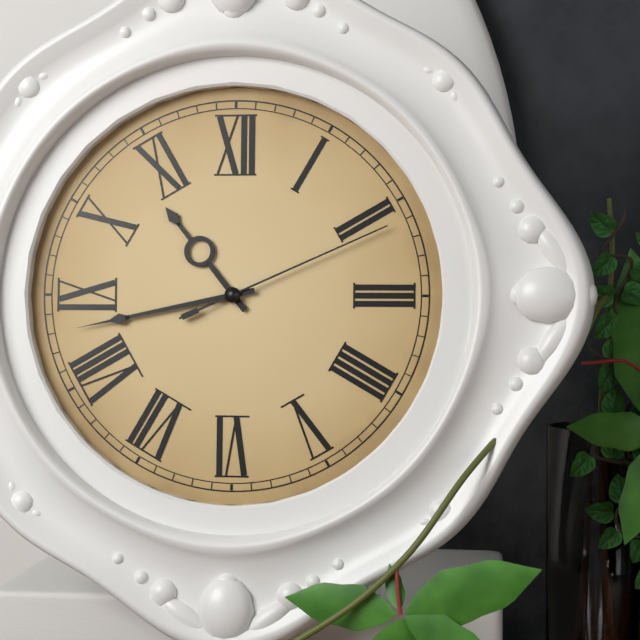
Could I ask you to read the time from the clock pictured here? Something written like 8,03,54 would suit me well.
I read 10,43,11
